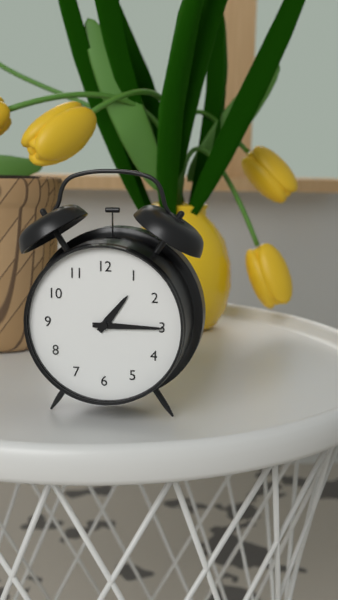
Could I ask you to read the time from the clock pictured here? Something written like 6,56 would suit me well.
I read 1,15
